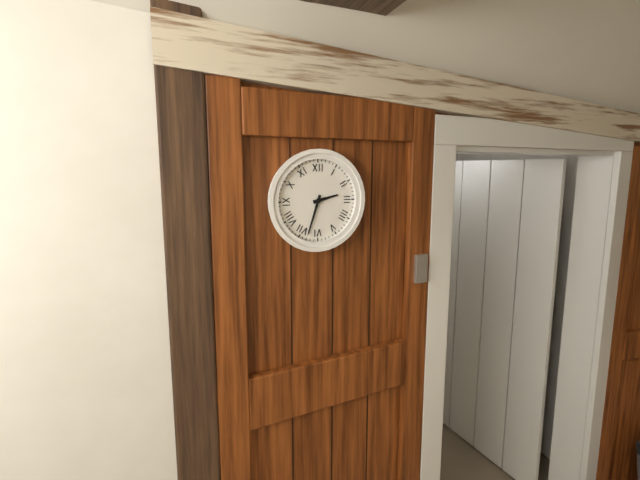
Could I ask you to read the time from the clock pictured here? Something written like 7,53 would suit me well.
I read 2,33
